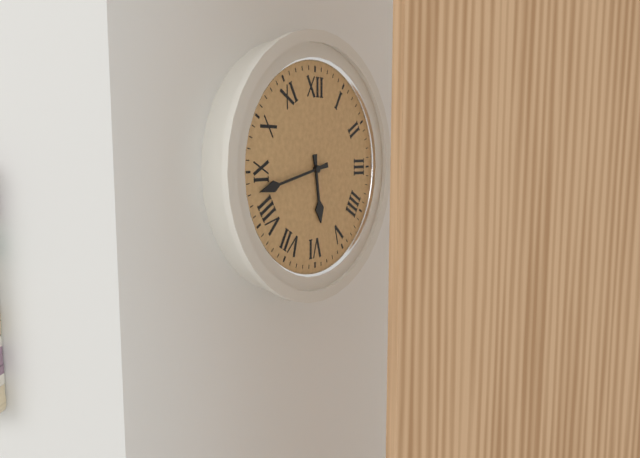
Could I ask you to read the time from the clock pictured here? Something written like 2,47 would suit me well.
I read 5,43
